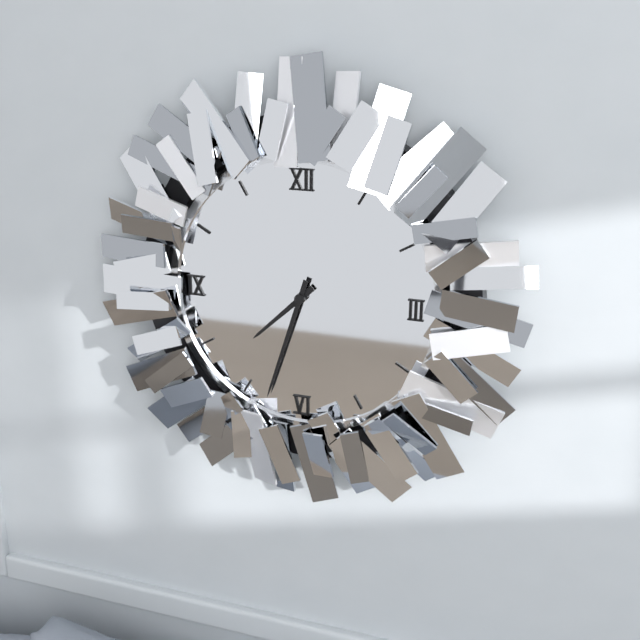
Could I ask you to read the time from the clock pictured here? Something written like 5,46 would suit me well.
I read 7,33
